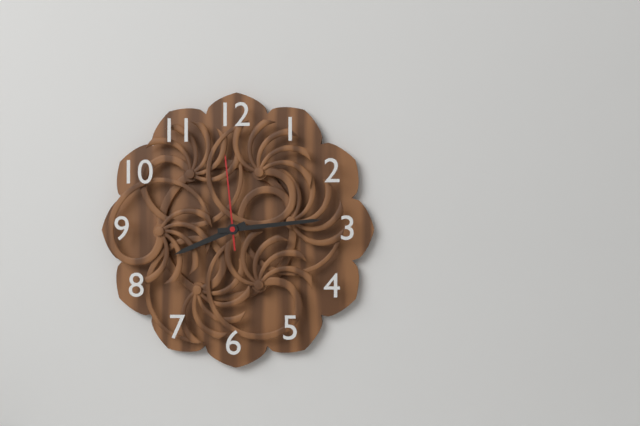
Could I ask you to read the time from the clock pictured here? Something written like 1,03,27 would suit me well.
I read 8,14,59
